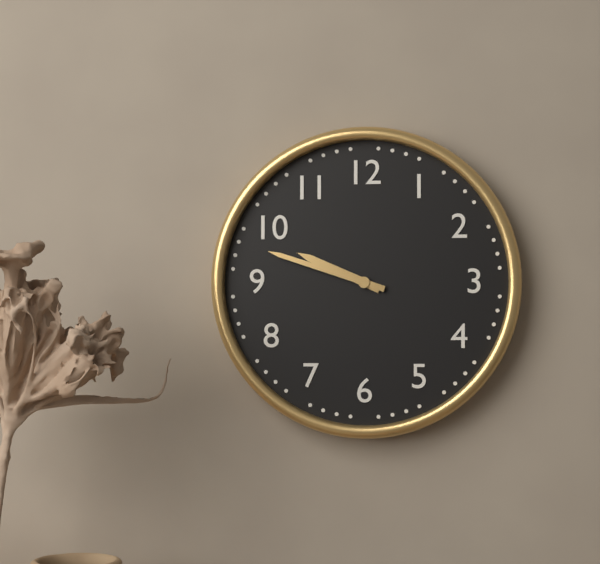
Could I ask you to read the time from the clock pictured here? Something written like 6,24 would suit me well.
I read 9,48
